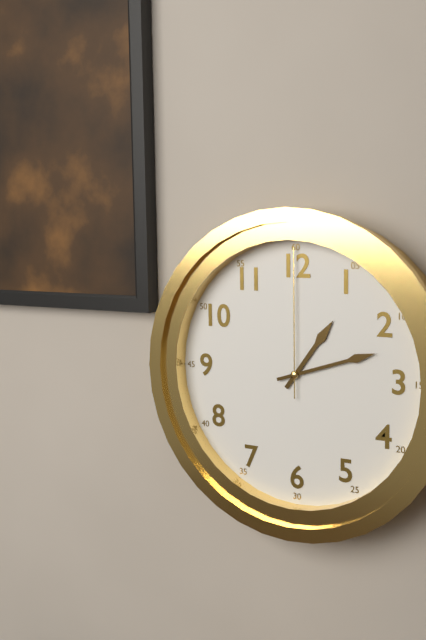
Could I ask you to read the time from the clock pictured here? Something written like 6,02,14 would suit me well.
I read 1,12,00
